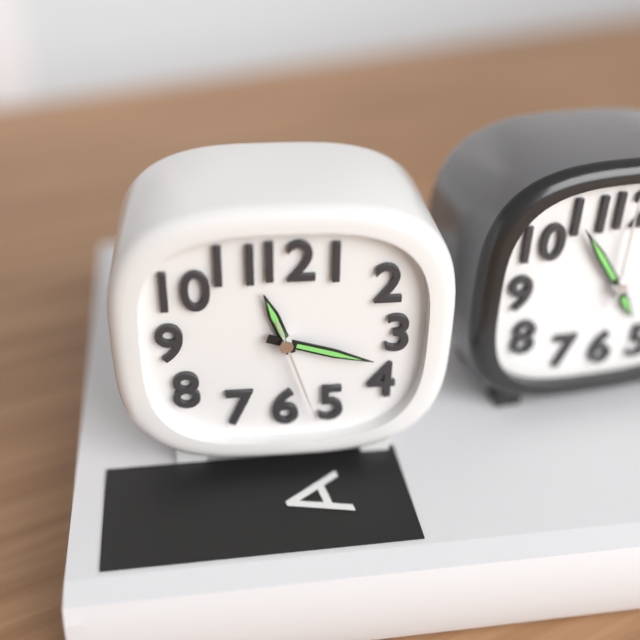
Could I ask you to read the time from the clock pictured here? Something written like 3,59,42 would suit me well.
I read 11,18,27
